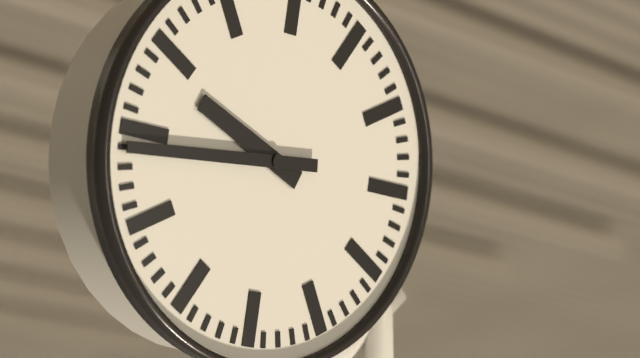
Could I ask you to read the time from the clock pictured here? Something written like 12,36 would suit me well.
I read 9,44
